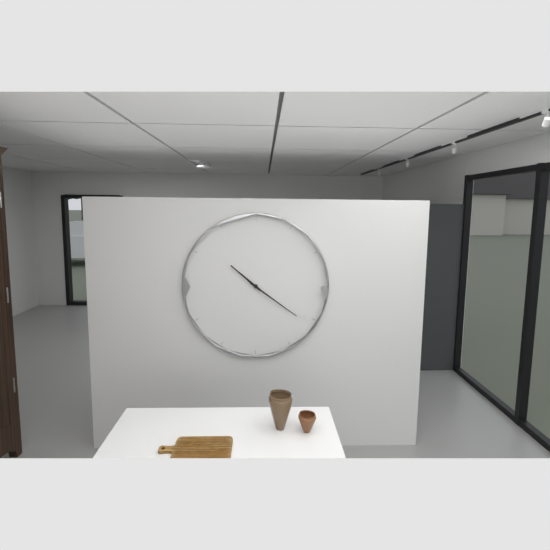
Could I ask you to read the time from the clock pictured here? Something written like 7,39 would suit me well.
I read 10,21
